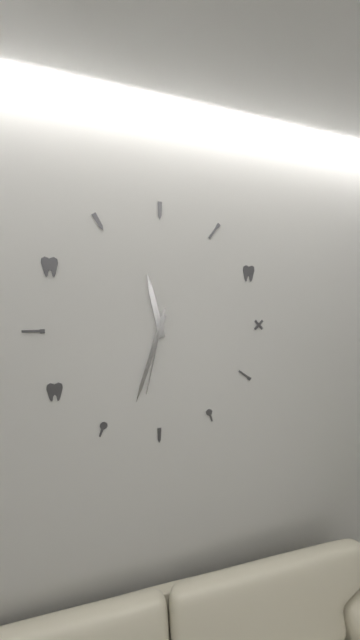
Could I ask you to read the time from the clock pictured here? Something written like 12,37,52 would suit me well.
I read 11,33,32
